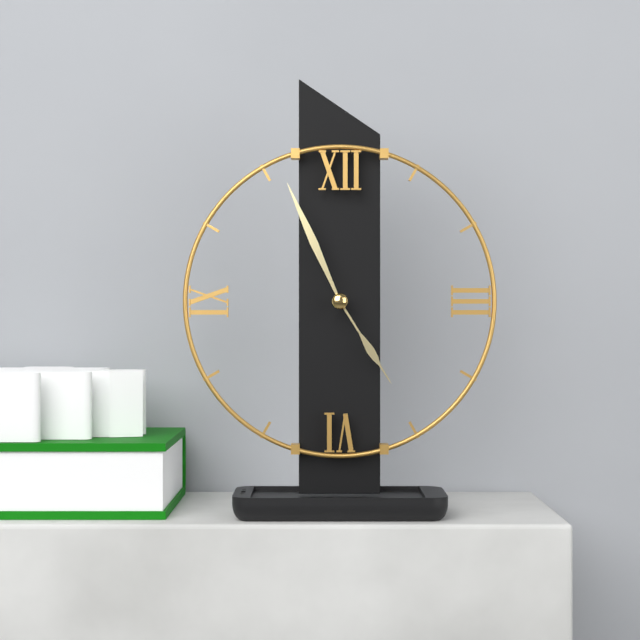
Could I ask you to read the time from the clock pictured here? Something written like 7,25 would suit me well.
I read 4,56
